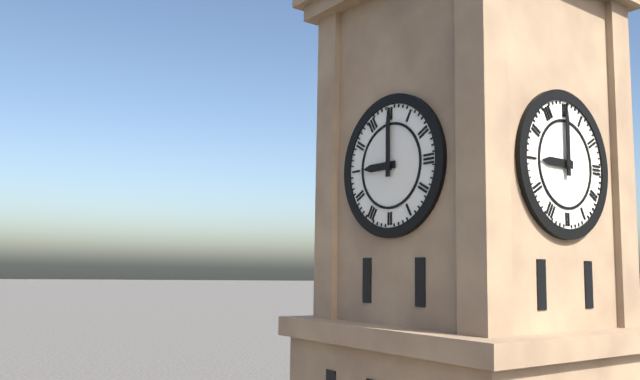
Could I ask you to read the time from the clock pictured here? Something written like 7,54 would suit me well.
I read 9,00
